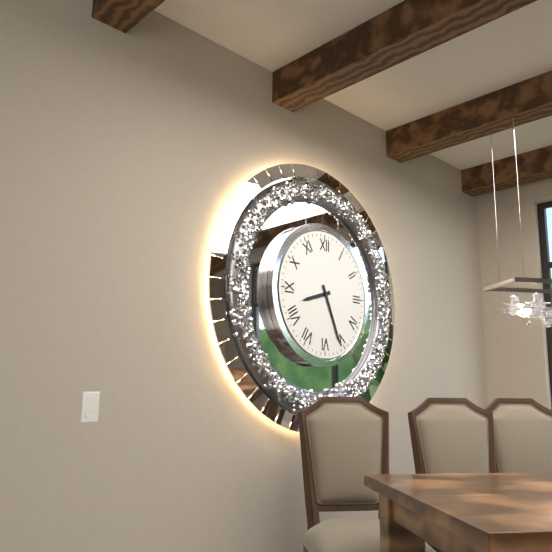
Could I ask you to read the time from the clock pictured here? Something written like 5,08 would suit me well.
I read 8,26
